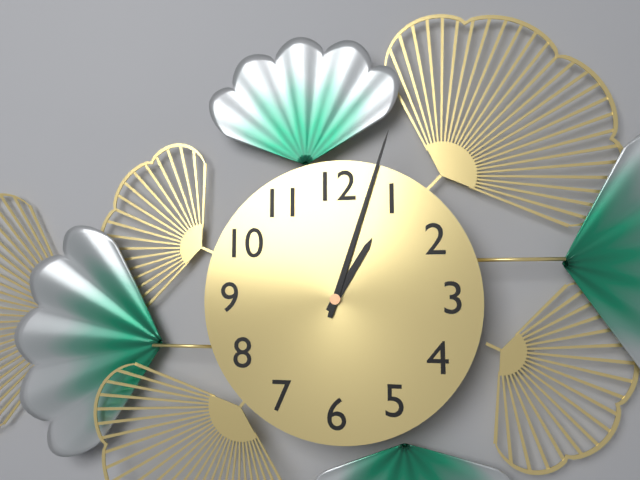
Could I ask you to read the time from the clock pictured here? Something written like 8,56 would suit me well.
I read 1,03
